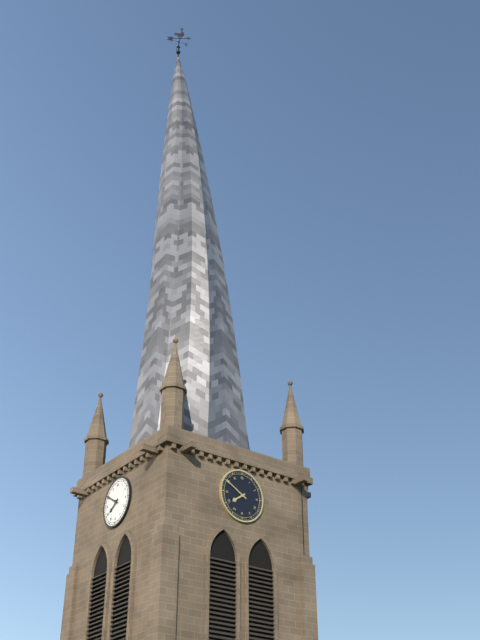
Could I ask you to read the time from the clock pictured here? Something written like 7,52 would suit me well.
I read 7,50
